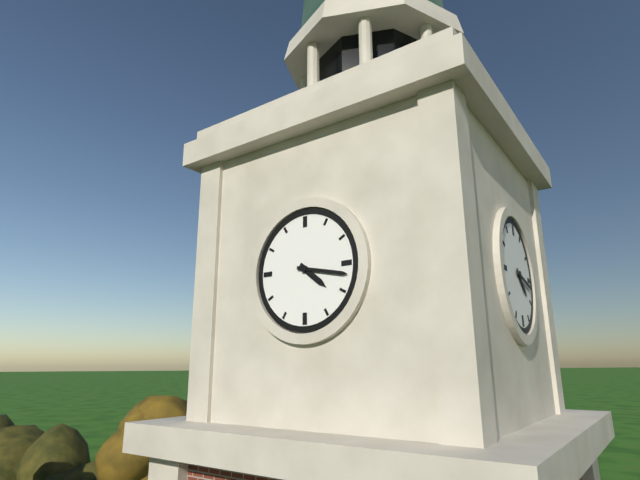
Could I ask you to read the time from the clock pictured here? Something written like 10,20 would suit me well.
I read 4,17
